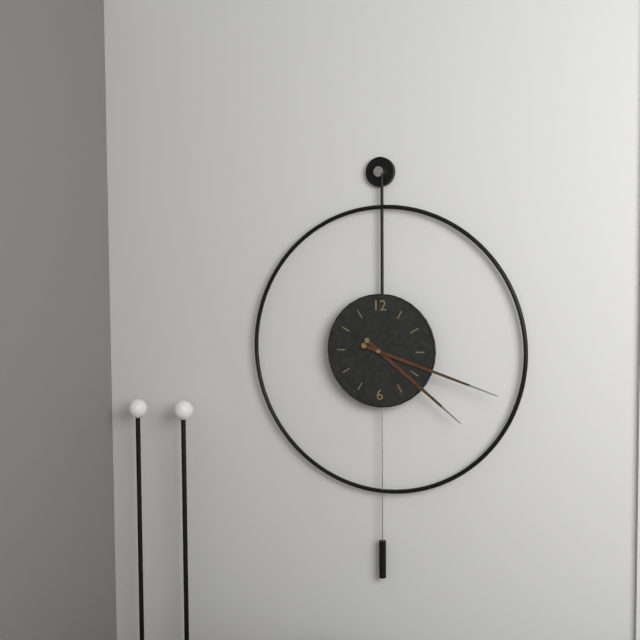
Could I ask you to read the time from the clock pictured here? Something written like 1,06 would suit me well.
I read 4,18
